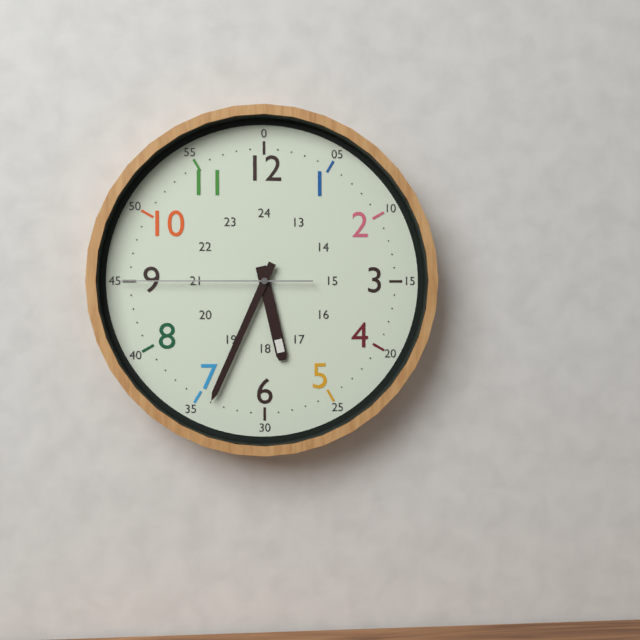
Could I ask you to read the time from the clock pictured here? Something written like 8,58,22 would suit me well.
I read 5,34,45
